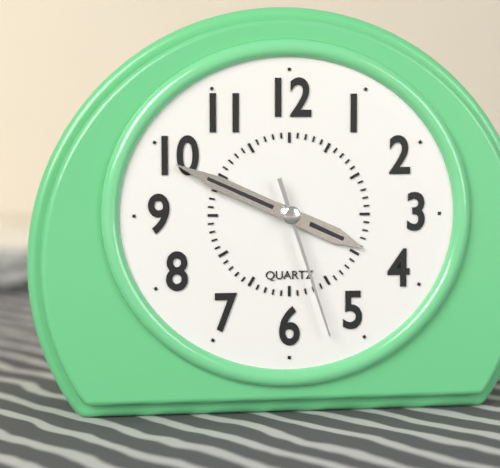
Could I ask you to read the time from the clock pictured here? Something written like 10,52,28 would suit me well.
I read 3,49,27
